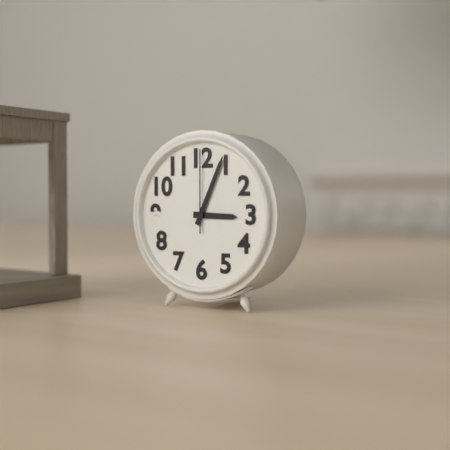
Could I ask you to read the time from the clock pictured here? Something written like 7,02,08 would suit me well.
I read 3,04,00
